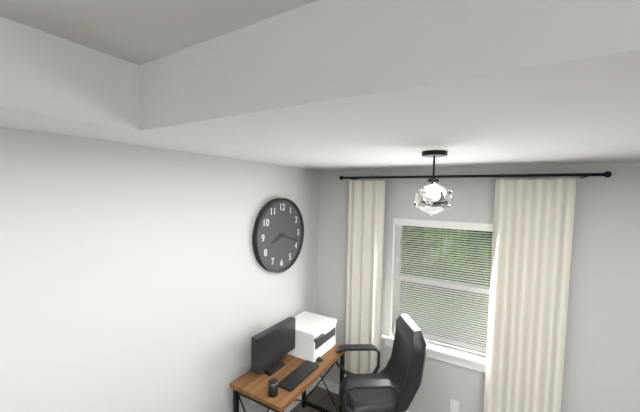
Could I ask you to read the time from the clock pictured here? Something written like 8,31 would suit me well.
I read 8,18
